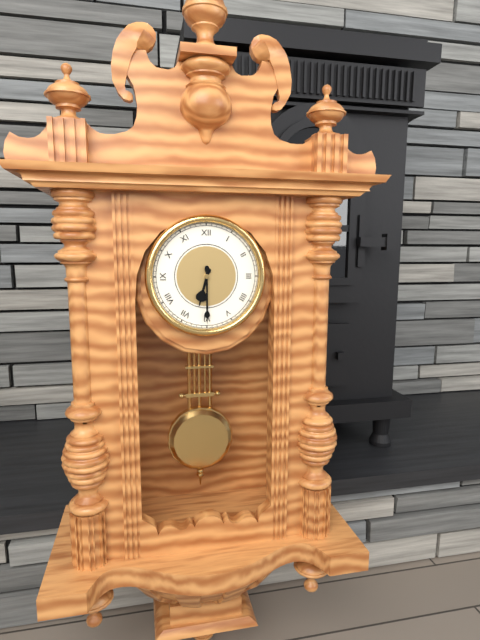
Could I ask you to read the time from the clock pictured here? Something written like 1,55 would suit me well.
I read 6,30
